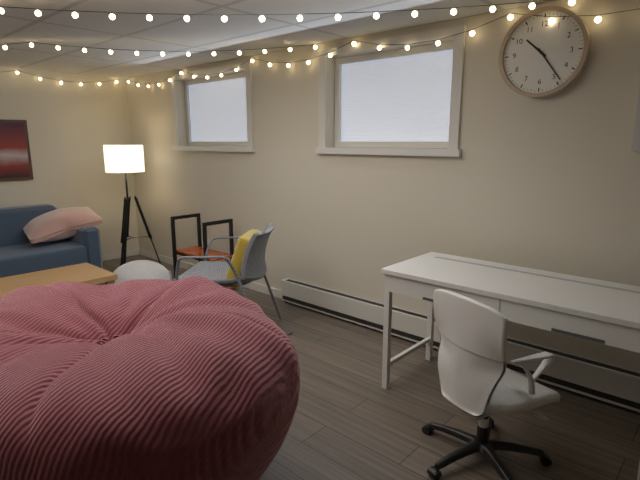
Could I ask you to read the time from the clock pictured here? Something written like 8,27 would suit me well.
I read 10,24
